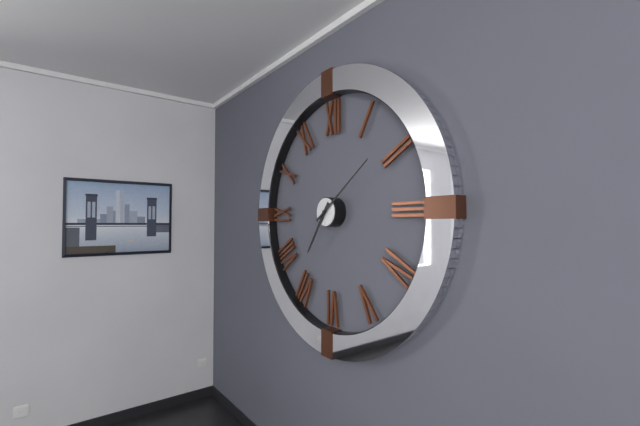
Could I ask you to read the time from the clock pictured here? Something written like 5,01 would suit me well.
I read 7,09
